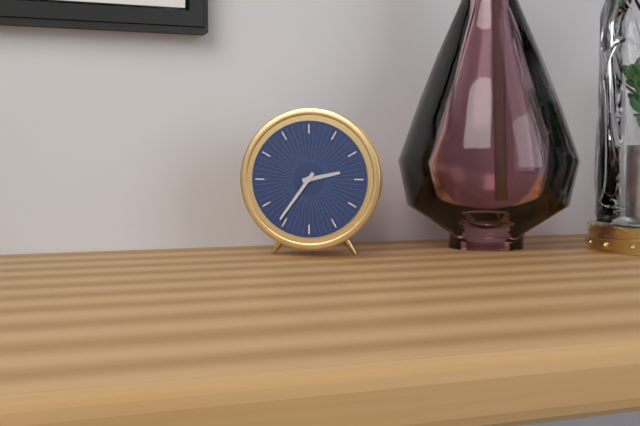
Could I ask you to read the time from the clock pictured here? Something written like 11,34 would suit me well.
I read 2,36
